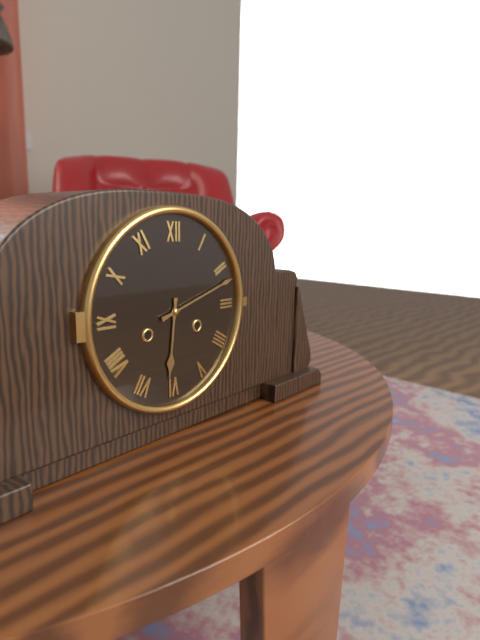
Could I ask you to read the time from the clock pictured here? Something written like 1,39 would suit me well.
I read 6,12
